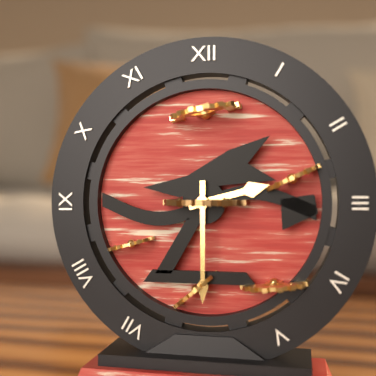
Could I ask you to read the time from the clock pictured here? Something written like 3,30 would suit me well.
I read 2,30
